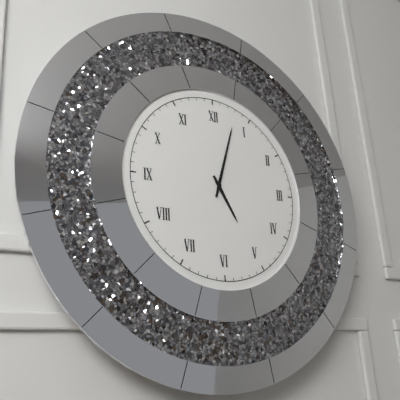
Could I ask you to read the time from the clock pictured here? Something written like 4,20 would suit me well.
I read 5,03
